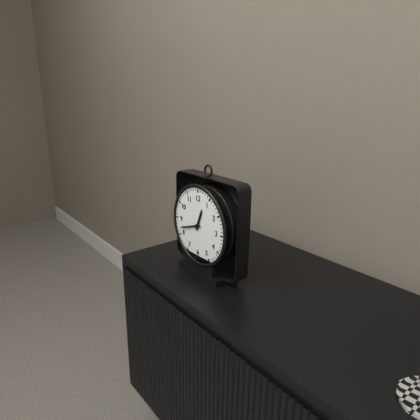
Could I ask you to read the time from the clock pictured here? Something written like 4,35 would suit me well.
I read 12,42
